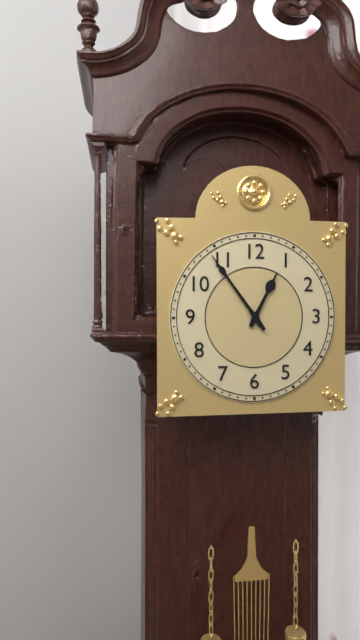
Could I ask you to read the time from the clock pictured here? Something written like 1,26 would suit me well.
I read 12,54
